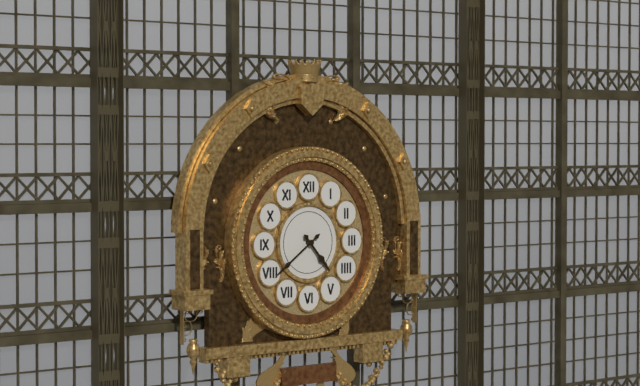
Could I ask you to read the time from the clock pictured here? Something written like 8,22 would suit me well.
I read 4,39
